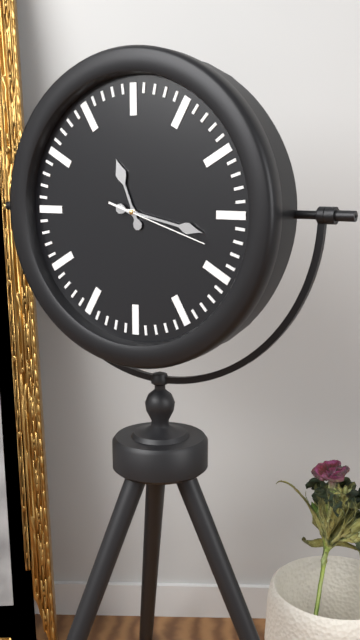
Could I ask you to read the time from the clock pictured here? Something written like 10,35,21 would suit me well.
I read 11,17,18
